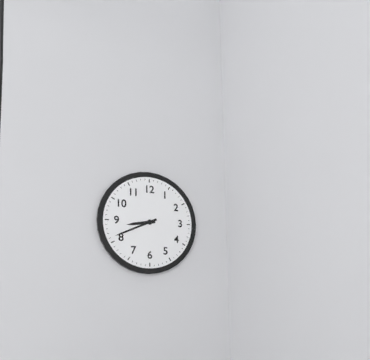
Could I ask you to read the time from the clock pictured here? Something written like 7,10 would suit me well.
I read 8,41
